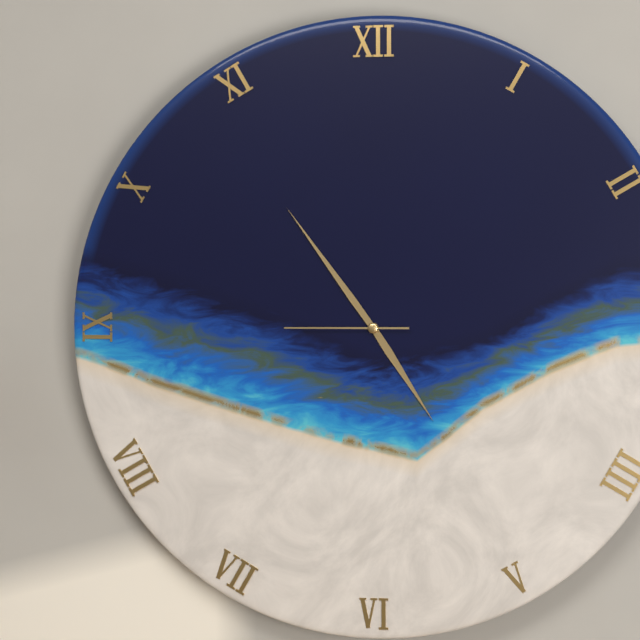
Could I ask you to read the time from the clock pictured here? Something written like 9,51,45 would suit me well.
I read 4,54,45
